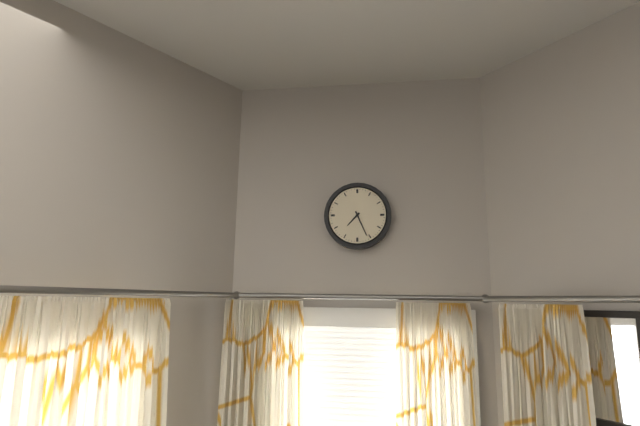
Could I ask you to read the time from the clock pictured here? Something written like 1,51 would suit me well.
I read 7,26
